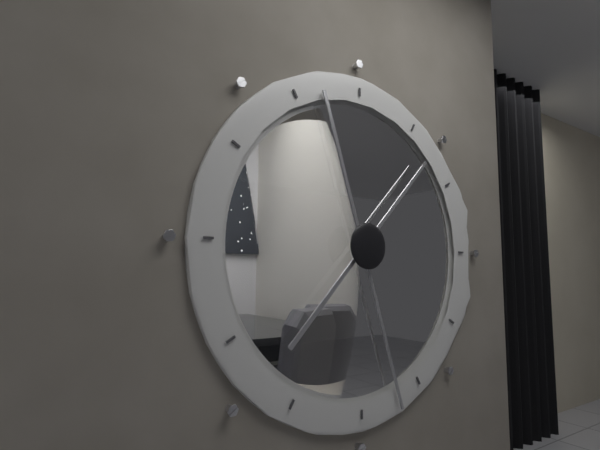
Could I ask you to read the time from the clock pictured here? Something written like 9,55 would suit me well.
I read 1,27
